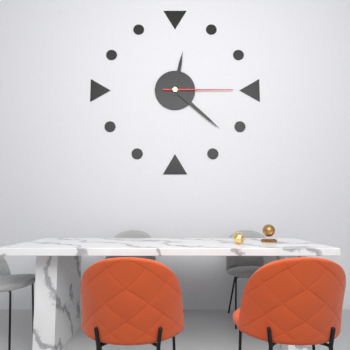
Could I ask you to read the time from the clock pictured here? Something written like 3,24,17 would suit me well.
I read 12,22,15
